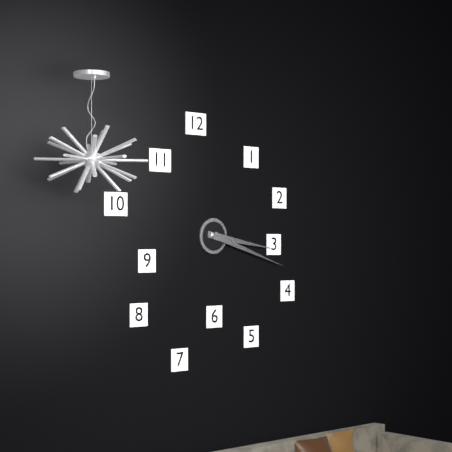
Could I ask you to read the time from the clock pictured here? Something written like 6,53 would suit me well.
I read 3,18
